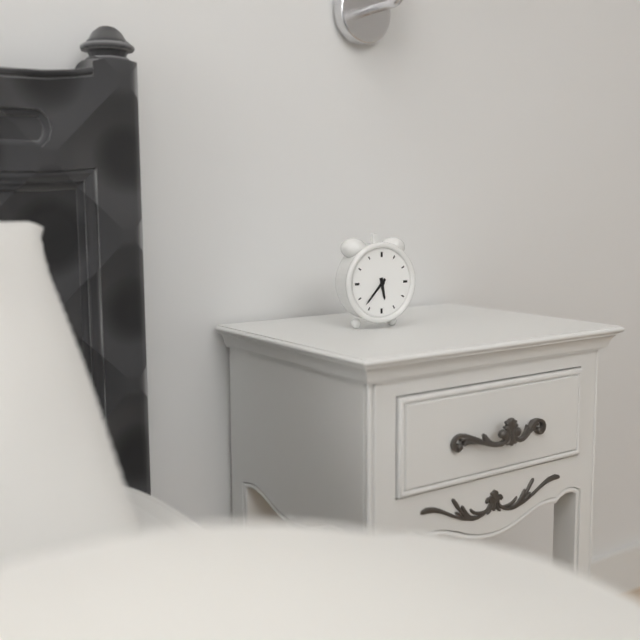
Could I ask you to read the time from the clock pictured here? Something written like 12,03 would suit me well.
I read 5,37
